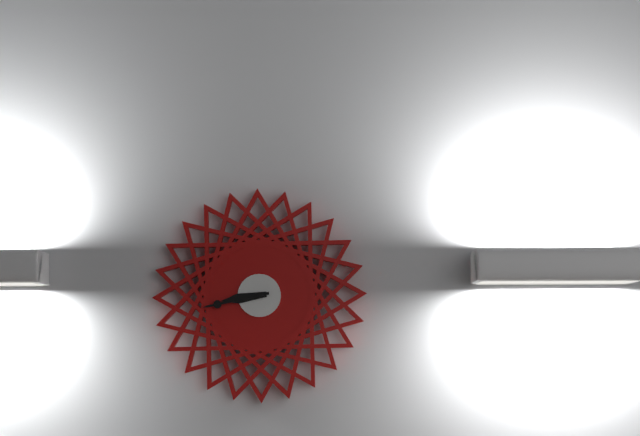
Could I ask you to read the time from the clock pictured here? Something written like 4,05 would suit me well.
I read 8,43
